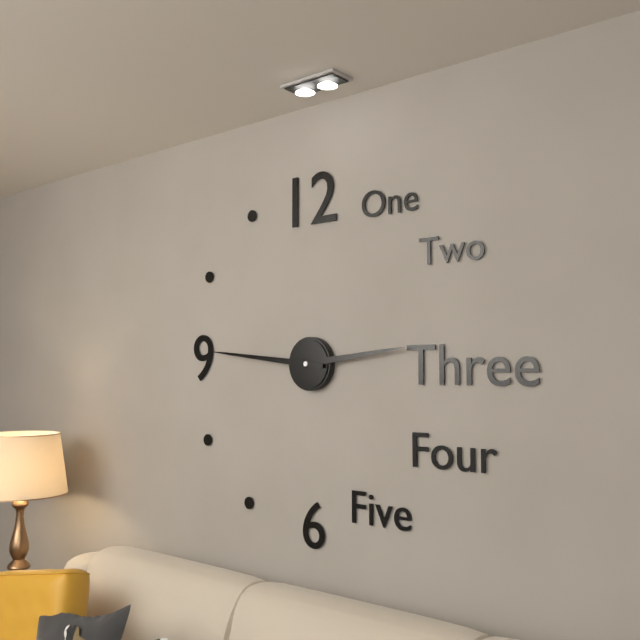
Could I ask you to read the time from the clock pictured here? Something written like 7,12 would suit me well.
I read 2,46
